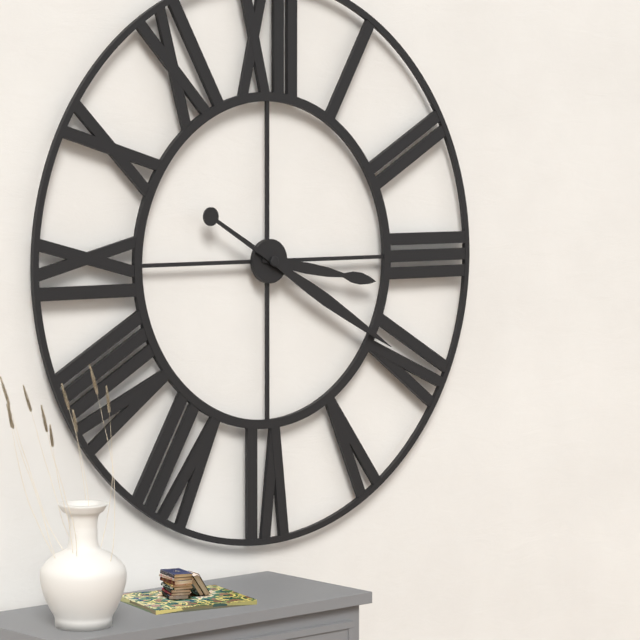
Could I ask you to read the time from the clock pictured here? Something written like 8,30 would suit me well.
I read 3,20
